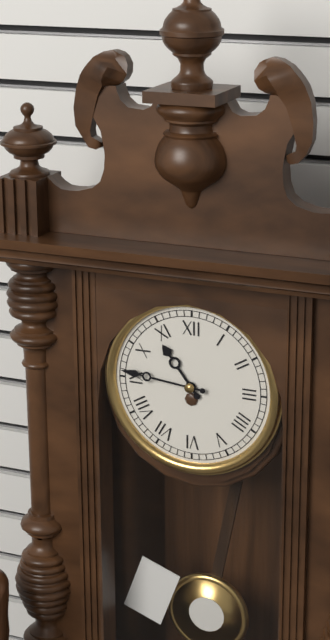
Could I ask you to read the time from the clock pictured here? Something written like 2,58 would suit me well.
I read 10,46
